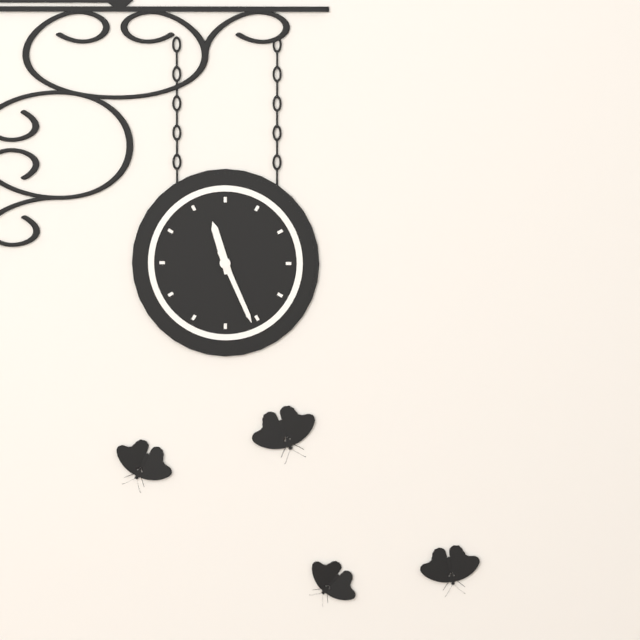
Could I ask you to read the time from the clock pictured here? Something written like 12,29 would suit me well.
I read 11,26
